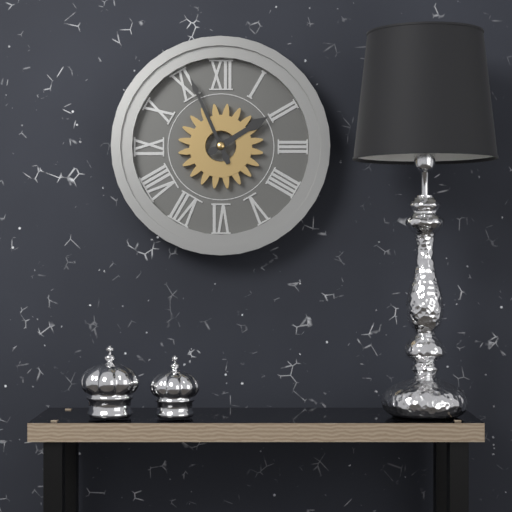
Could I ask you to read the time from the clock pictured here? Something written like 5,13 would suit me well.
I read 1,56
